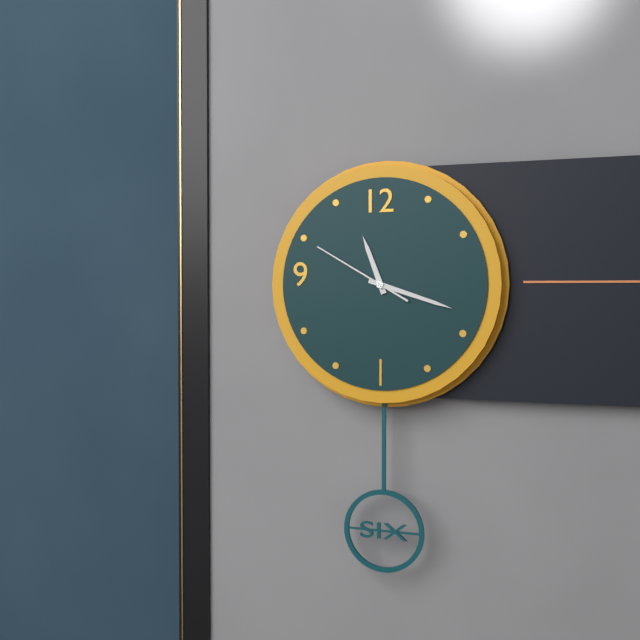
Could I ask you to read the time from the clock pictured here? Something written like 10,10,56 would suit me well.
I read 11,18,50
